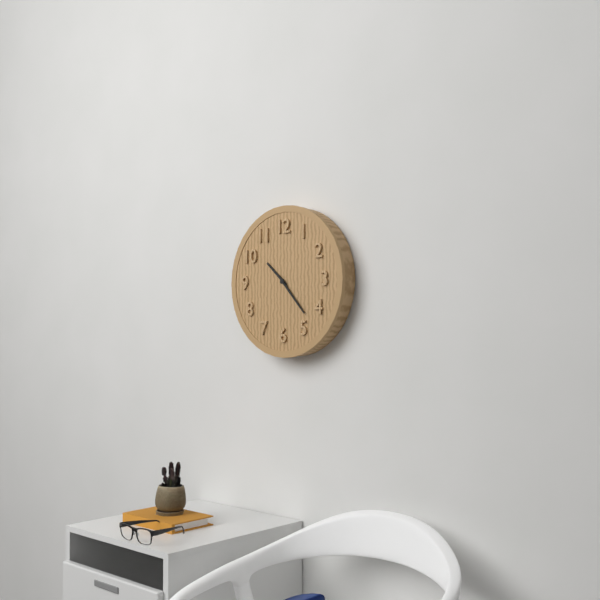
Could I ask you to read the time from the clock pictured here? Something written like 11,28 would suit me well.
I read 10,23
